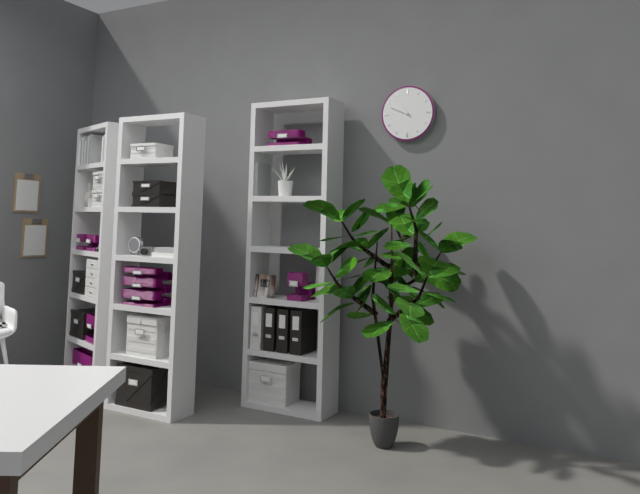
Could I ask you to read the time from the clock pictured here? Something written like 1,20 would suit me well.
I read 10,49
